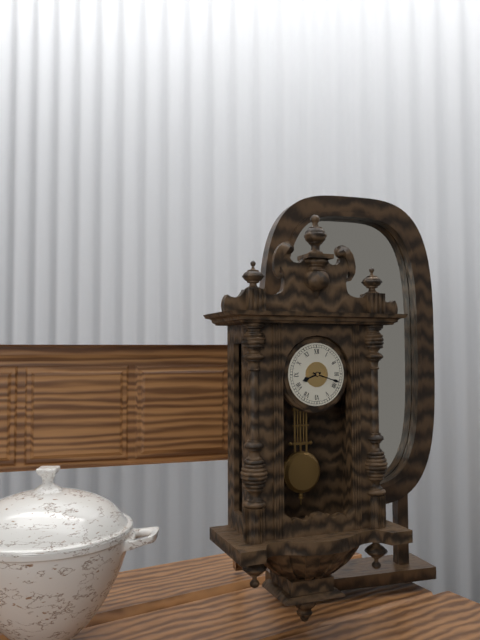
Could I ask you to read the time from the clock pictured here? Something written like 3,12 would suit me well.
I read 8,18
